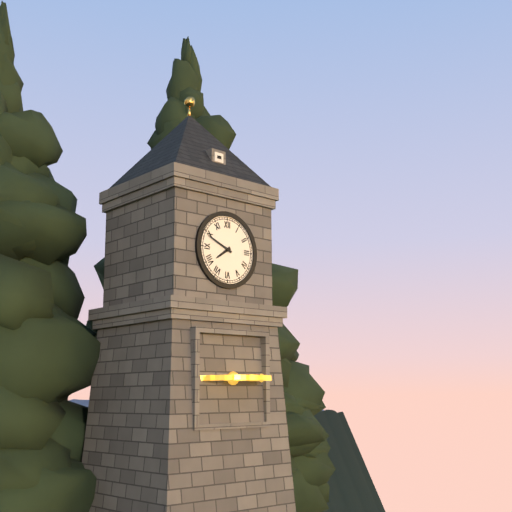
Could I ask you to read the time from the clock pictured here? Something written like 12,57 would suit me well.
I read 7,49
